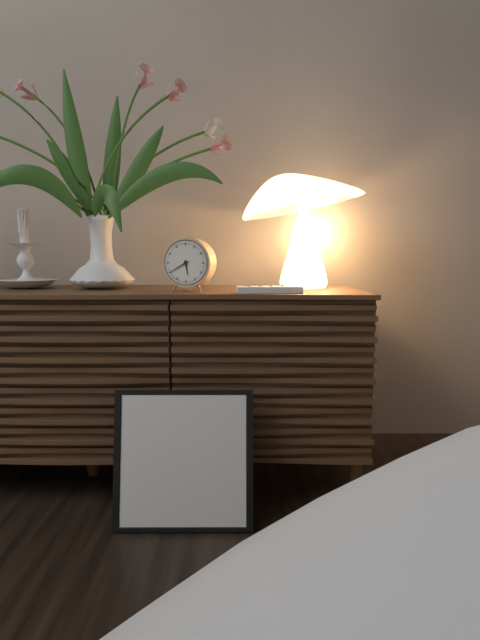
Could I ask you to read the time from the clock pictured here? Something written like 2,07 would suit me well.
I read 5,40
